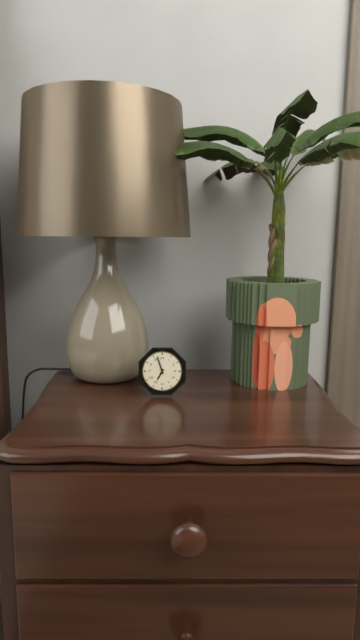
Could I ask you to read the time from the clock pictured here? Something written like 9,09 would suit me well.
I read 6,57
